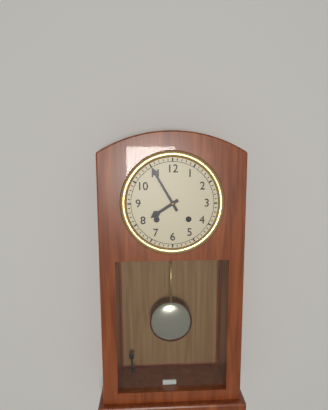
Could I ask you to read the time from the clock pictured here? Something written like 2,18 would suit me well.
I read 7,55
